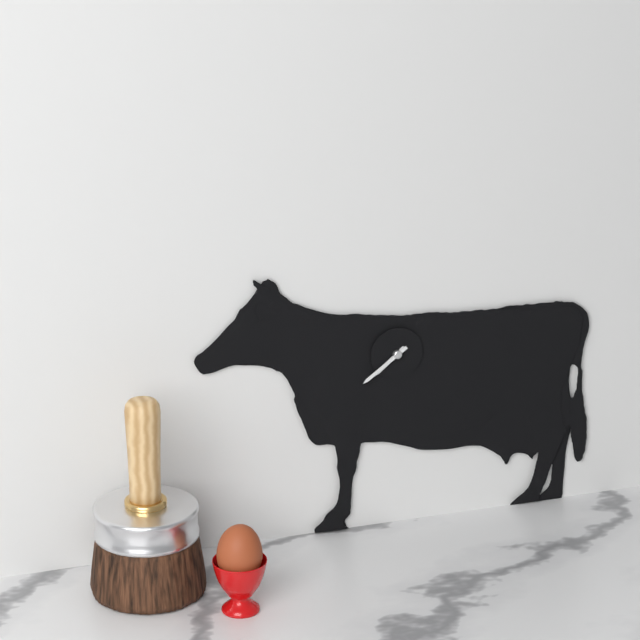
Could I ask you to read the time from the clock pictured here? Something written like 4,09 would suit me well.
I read 7,39
